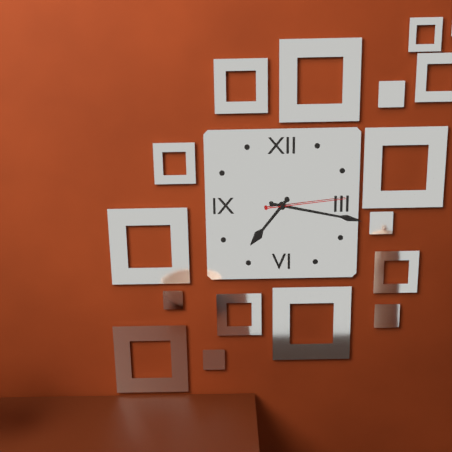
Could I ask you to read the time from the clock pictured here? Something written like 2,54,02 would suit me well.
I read 7,17,14
